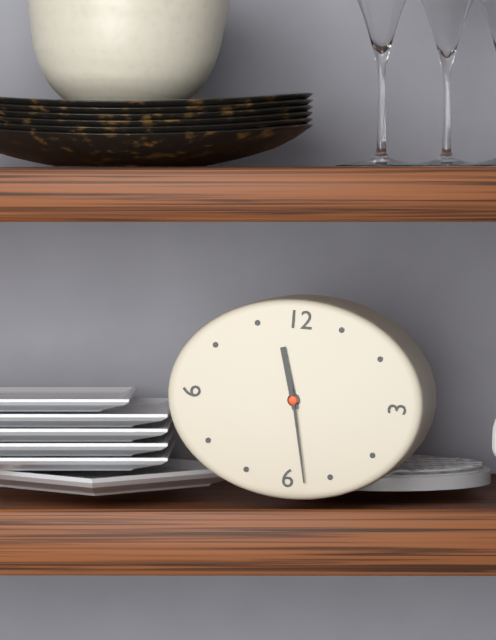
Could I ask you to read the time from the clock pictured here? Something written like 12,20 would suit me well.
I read 11,28
